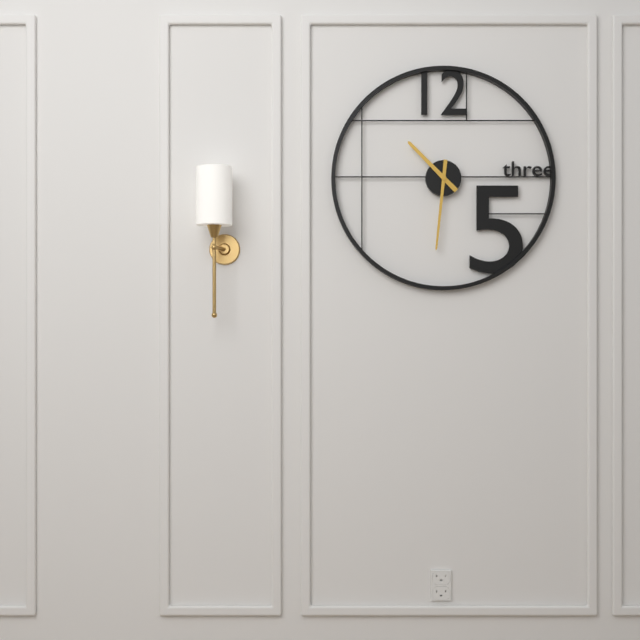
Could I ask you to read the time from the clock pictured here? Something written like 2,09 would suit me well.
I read 10,31
